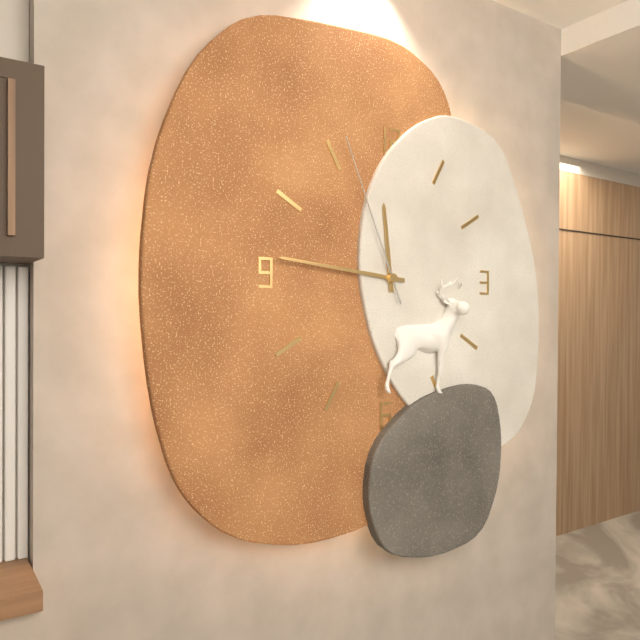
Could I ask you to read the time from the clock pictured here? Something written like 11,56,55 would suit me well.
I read 11,46,56
